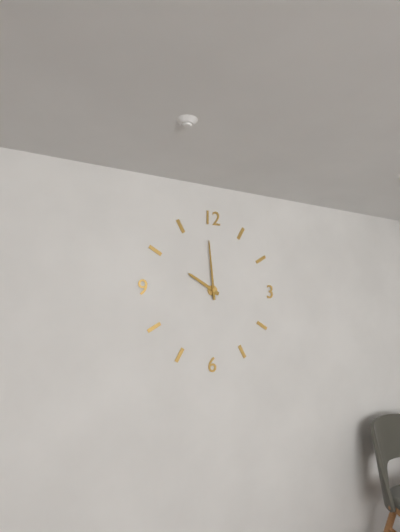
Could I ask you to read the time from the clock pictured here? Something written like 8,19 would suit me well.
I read 9,59
